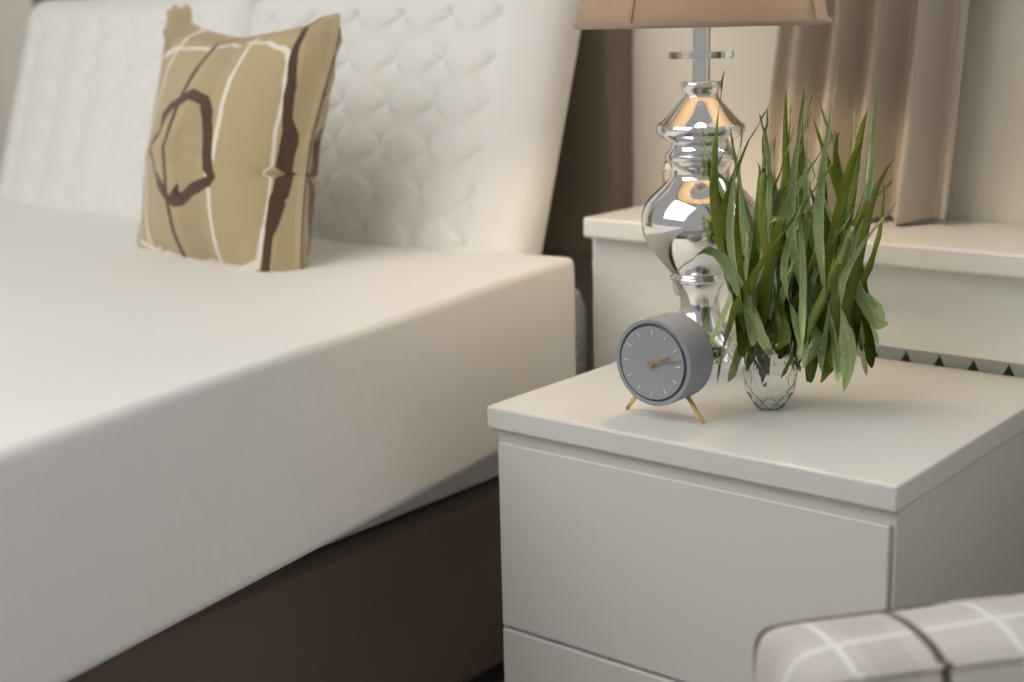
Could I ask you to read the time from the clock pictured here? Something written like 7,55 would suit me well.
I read 2,13
